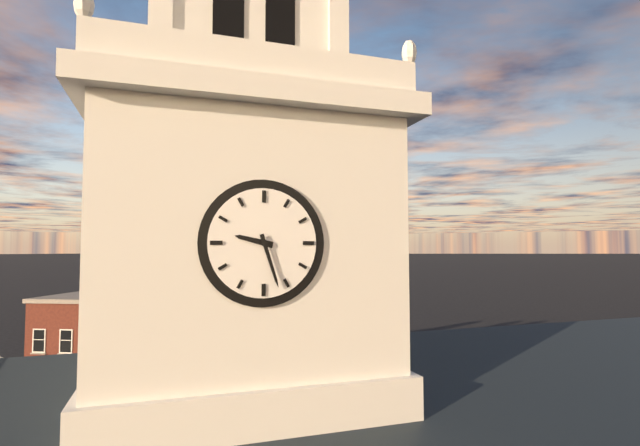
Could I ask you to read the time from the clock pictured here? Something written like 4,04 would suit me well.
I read 9,27
